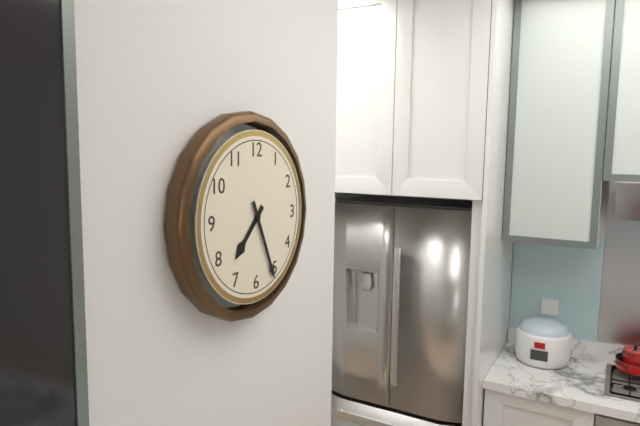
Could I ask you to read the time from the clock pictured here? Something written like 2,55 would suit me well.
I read 7,26
